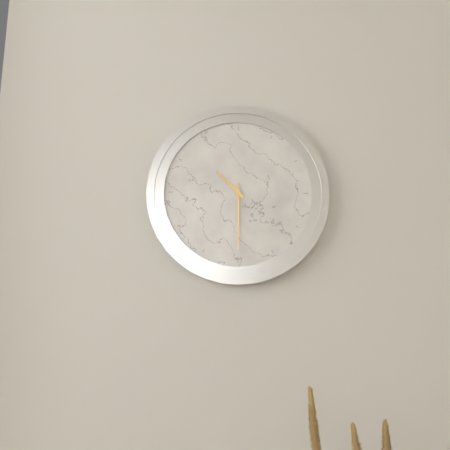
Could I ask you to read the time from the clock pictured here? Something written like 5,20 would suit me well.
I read 10,30
